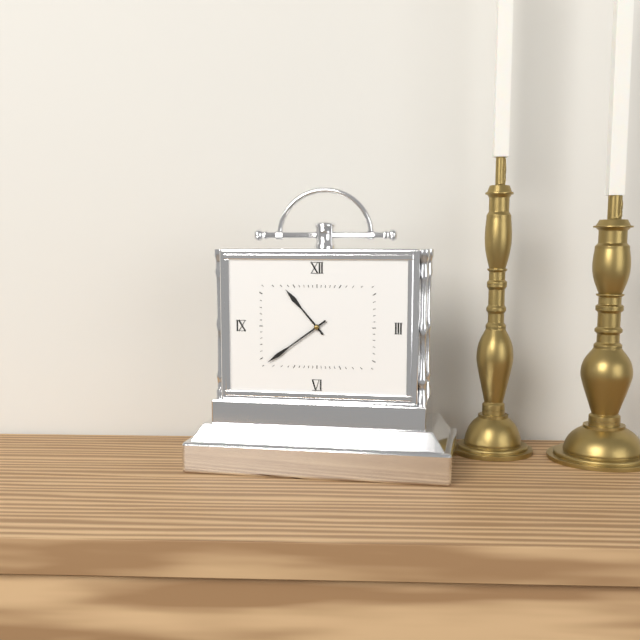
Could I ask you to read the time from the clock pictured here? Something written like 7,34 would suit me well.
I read 10,39
